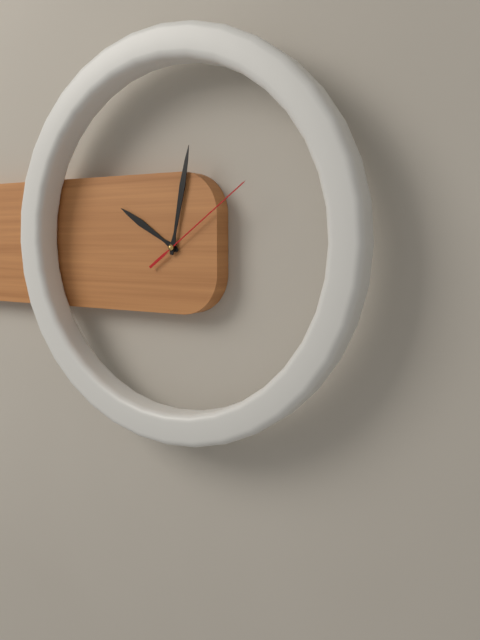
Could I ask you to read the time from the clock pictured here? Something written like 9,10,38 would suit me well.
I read 10,02,09
